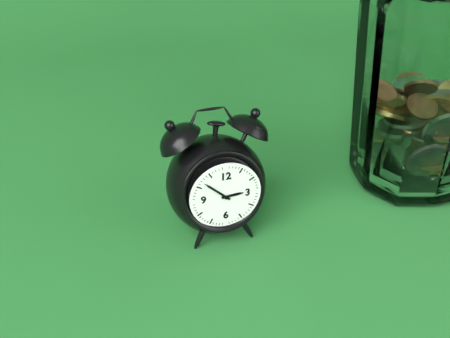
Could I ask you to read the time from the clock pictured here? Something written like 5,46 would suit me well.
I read 2,52
